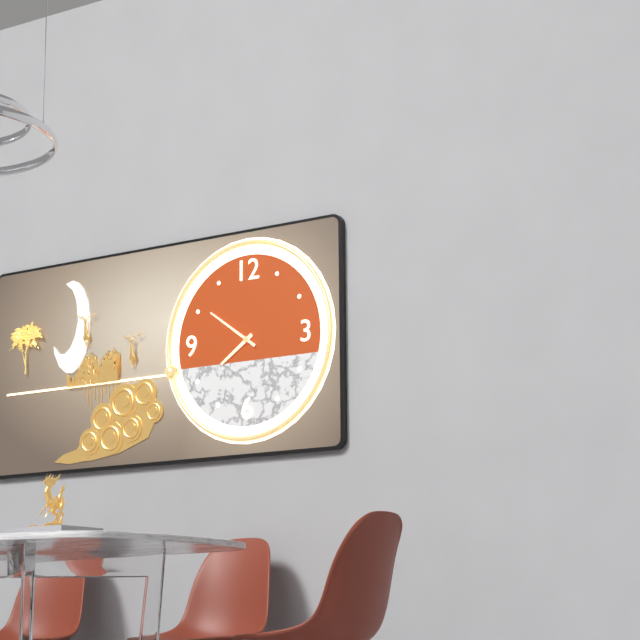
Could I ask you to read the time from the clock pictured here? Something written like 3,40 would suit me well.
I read 7,51
